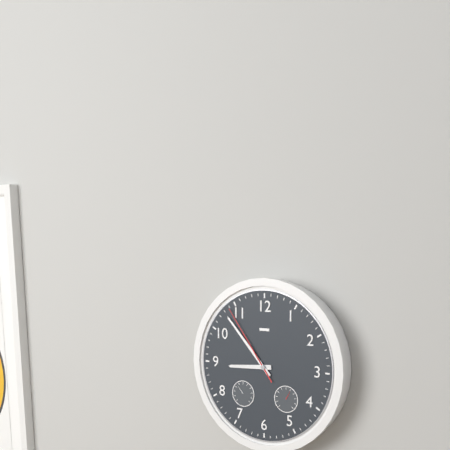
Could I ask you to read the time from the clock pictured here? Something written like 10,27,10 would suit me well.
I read 8,53,54
